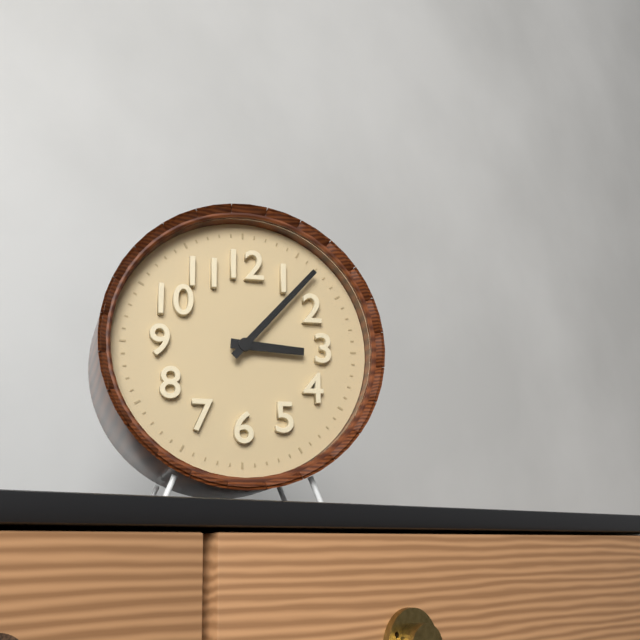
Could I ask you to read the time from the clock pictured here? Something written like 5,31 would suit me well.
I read 3,07
